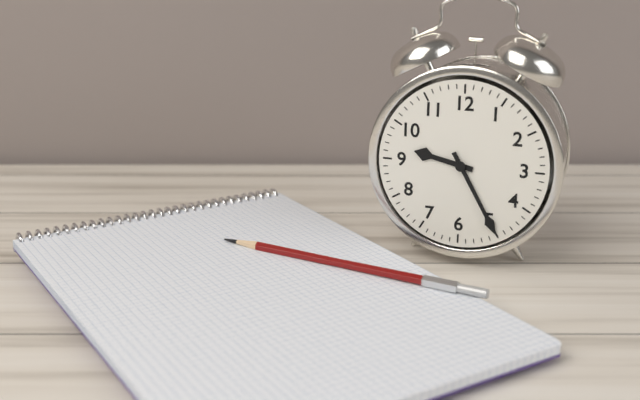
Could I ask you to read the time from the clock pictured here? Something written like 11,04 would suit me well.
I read 9,25
